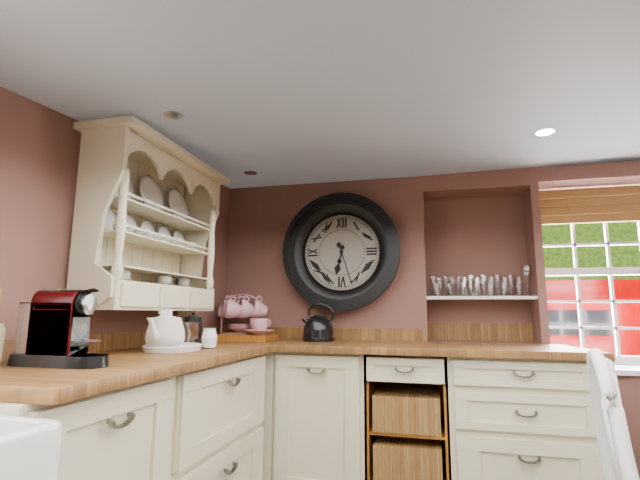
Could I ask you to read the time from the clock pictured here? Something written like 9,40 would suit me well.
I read 6,27
